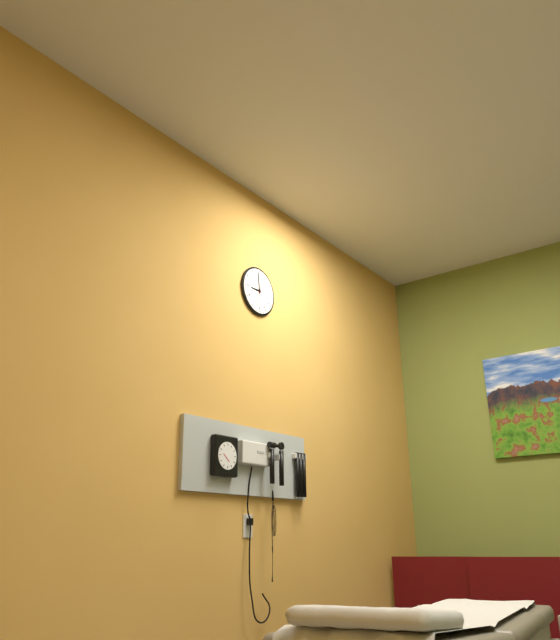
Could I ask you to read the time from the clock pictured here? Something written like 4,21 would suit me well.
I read 8,59
